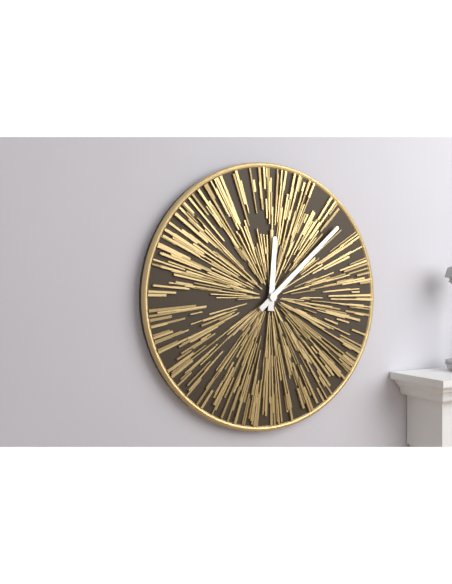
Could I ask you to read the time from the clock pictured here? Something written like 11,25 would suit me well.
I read 12,08
